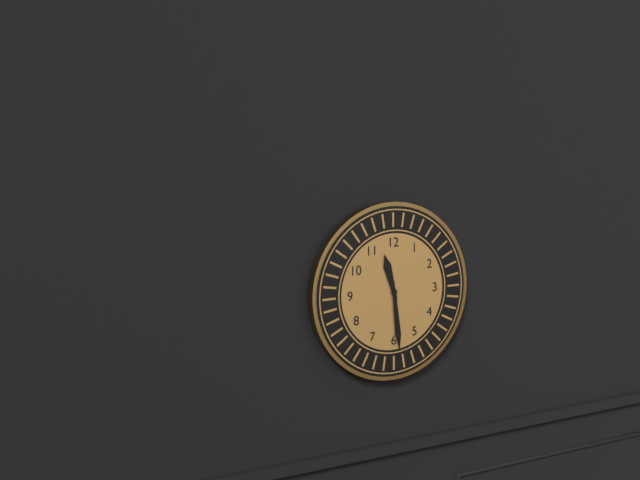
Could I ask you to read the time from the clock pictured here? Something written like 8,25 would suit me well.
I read 11,29
